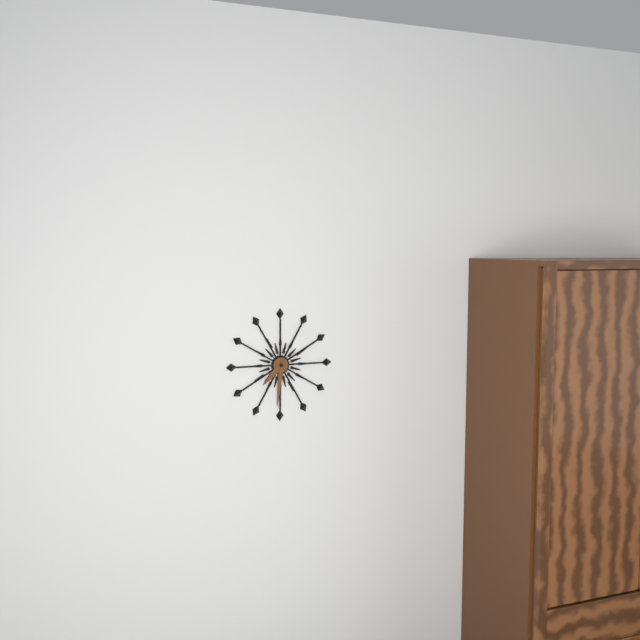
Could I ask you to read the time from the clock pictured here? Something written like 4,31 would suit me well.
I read 7,31
